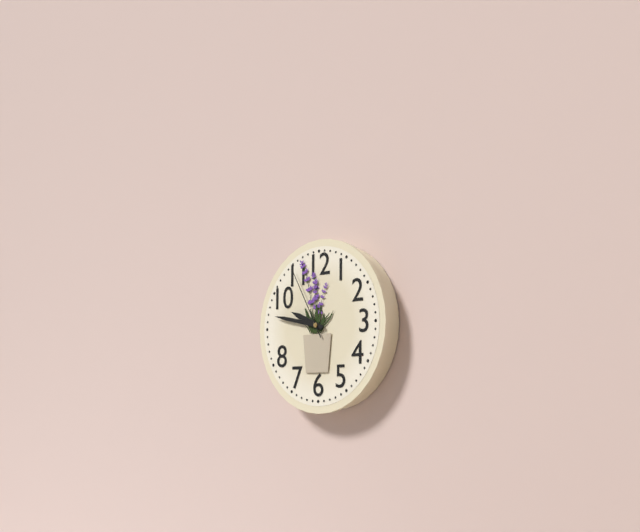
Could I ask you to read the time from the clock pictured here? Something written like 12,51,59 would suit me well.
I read 9,47,55
